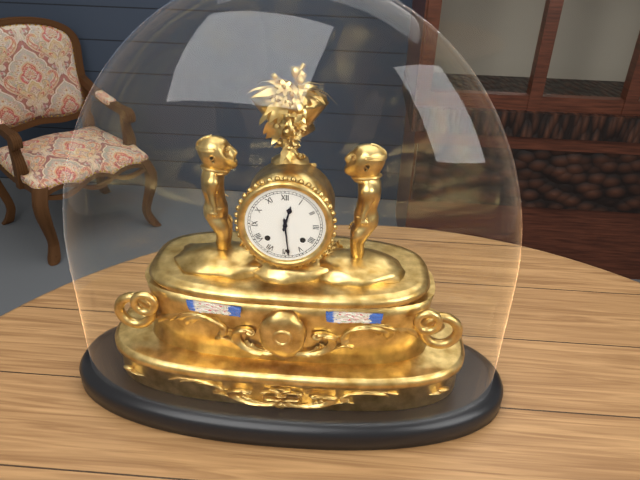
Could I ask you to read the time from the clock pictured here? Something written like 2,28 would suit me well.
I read 12,29
